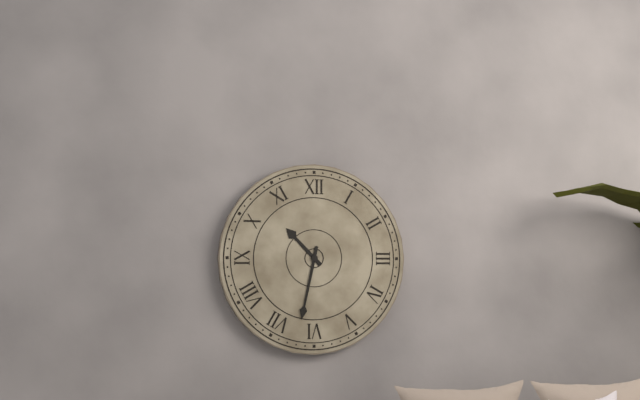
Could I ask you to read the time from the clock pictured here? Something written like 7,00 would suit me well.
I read 10,32
